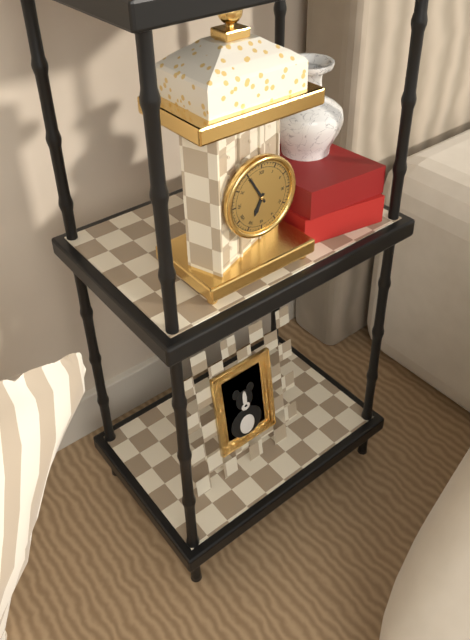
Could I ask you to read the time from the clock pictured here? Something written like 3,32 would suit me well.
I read 6,55
